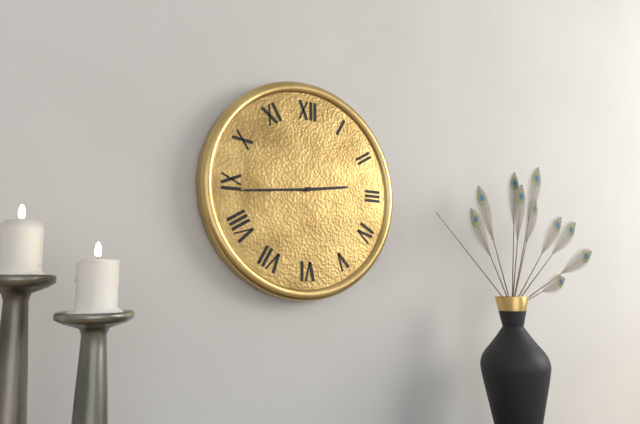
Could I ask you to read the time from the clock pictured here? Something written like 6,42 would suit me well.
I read 2,44
